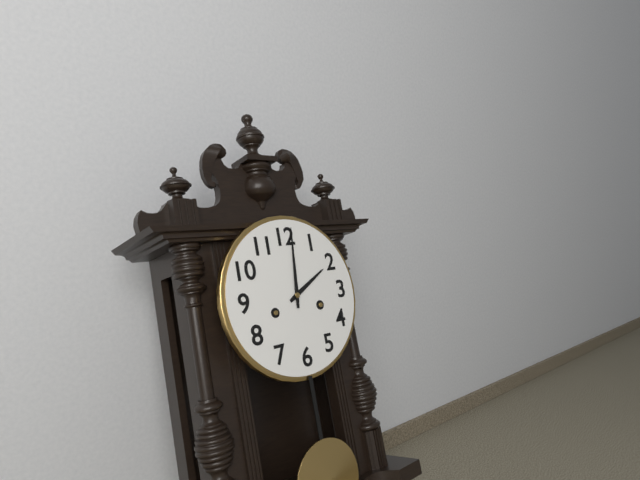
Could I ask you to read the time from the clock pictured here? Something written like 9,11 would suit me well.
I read 2,01
